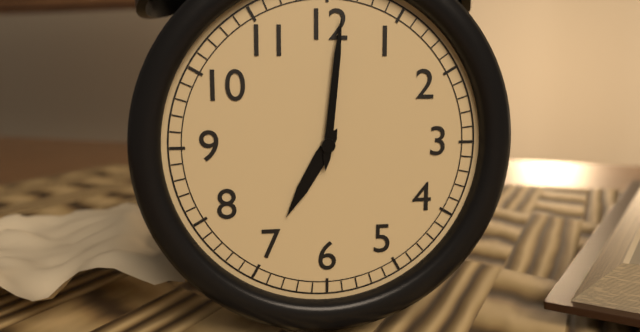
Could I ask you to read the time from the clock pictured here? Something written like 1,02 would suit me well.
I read 7,01
